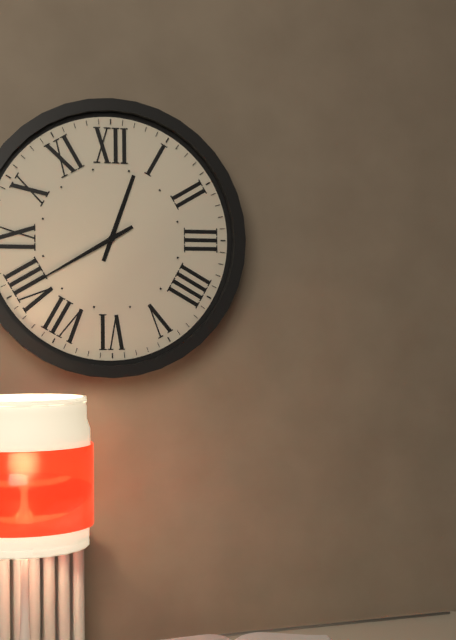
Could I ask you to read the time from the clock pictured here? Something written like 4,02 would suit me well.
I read 12,40
